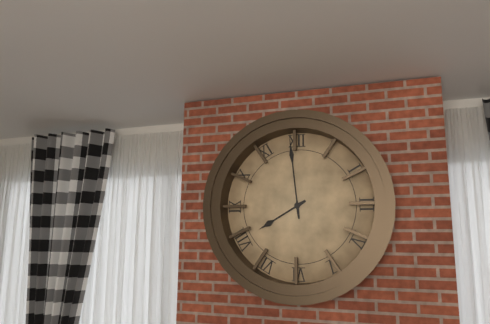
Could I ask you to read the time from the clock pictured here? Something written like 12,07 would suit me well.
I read 7,59
